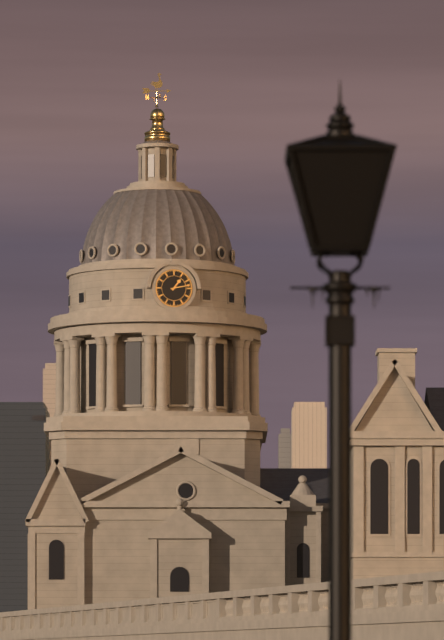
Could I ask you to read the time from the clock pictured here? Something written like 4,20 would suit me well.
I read 1,13
